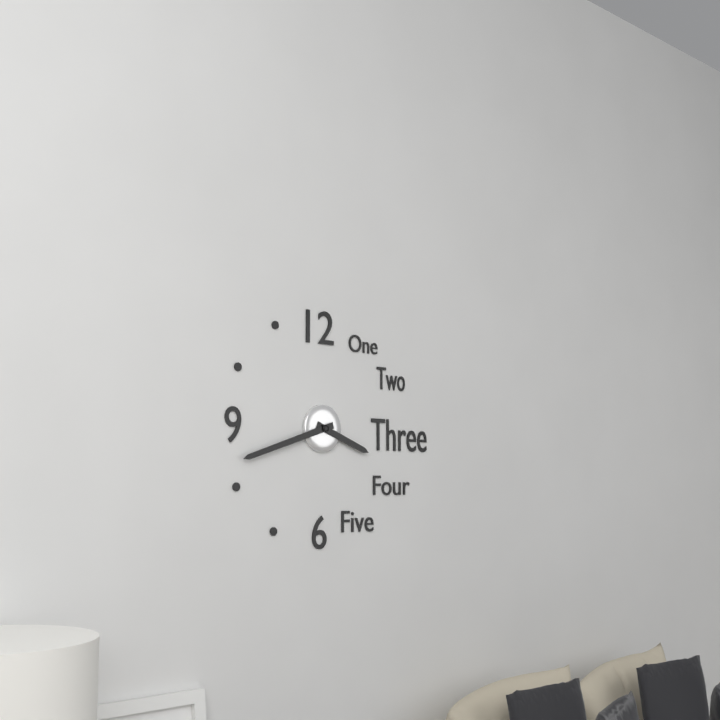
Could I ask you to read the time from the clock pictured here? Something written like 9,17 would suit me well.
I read 3,42
